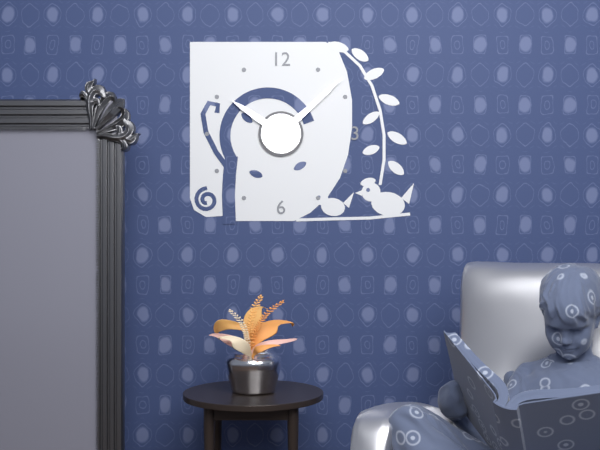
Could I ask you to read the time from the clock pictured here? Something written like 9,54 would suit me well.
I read 10,08
